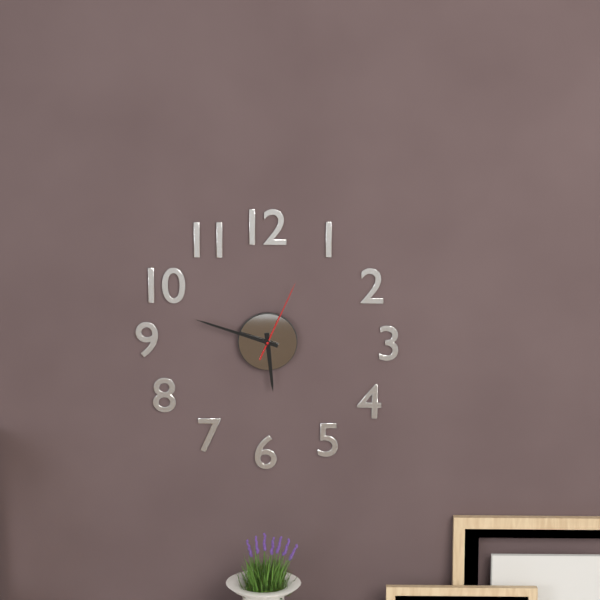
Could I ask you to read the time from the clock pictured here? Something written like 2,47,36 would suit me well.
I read 5,48,04
